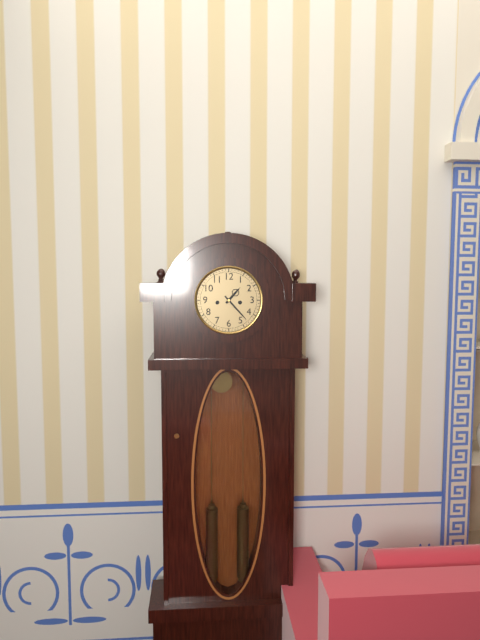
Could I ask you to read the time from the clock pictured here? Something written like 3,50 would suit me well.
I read 1,23
